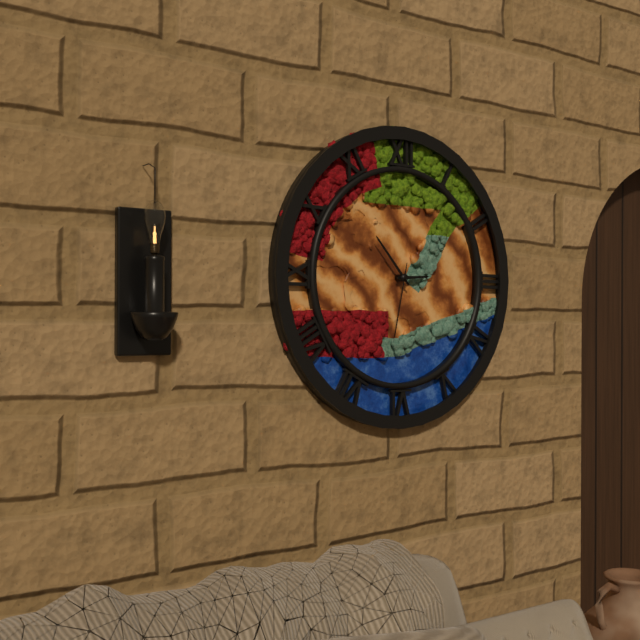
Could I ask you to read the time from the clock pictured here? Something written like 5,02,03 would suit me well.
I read 2,53,32
